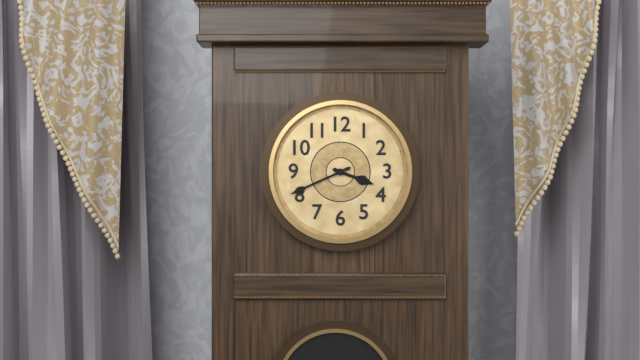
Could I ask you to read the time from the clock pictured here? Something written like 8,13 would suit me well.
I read 3,41
